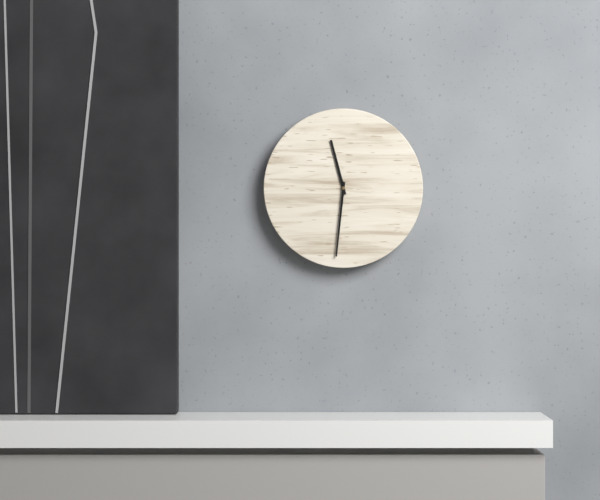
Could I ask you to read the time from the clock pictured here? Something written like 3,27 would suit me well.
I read 11,31
